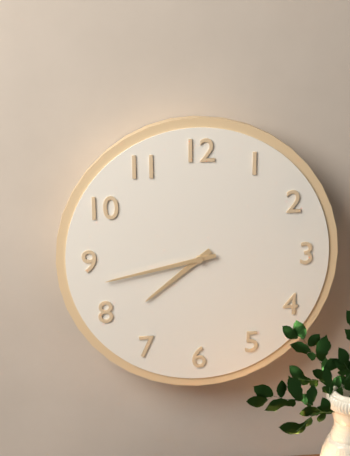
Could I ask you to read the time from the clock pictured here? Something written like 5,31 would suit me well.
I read 7,43
